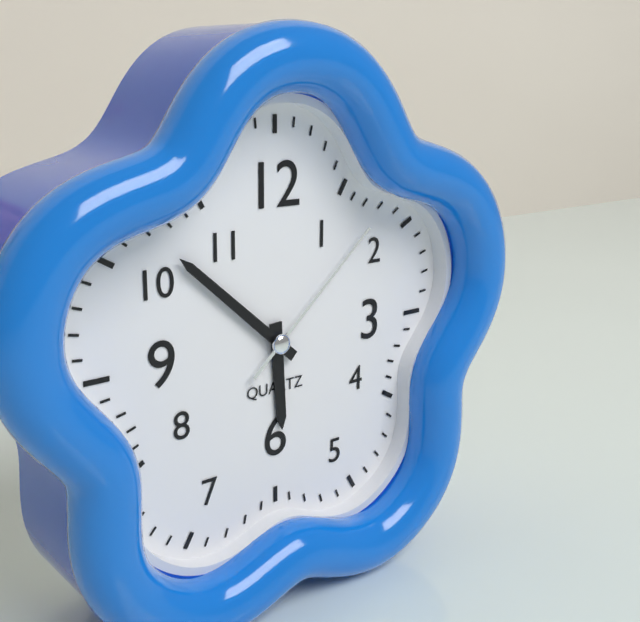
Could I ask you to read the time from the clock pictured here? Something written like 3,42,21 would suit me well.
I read 5,52,08
